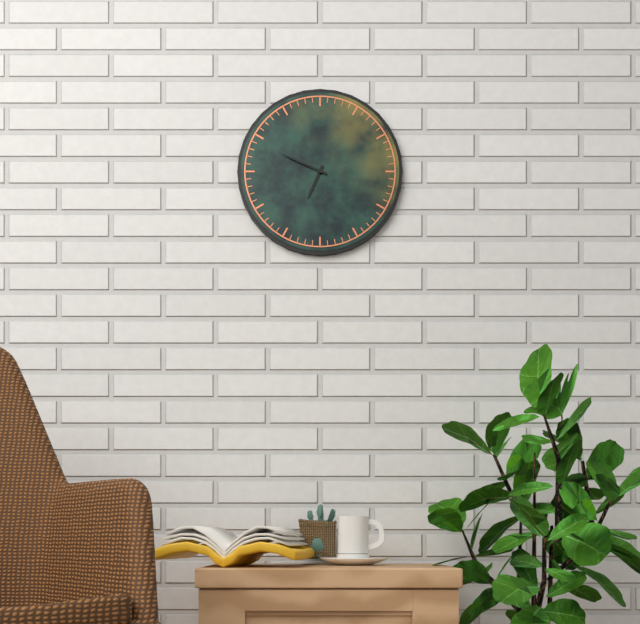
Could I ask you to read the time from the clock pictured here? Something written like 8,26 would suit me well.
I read 6,49
